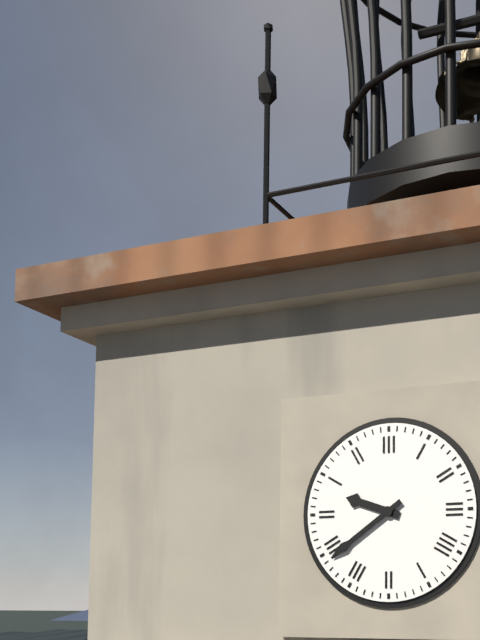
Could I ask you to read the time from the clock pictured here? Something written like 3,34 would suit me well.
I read 9,39
